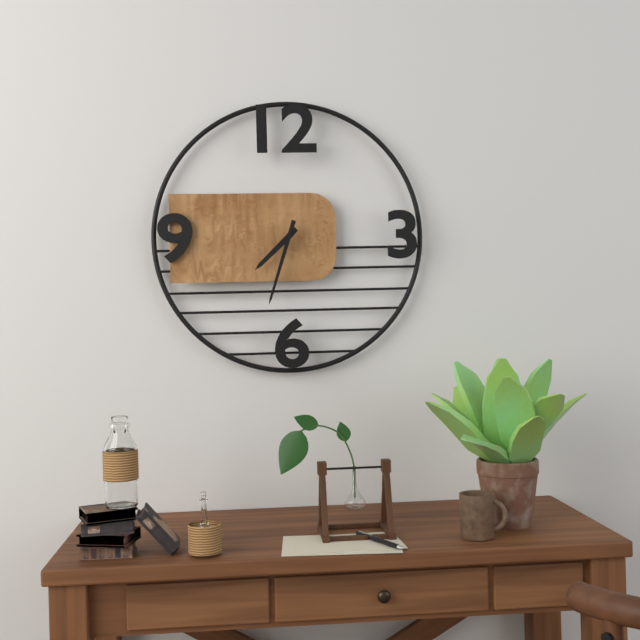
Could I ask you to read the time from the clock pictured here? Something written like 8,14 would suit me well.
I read 7,33
